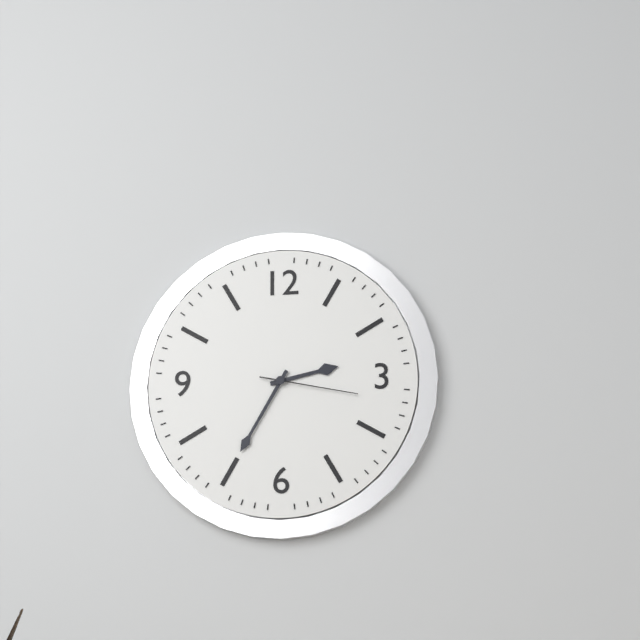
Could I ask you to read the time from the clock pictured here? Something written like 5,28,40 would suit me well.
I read 2,35,17
